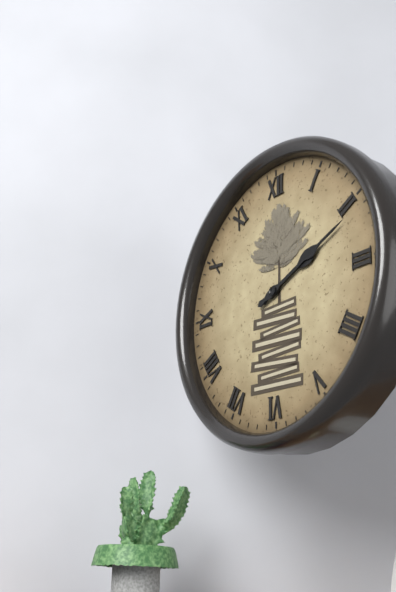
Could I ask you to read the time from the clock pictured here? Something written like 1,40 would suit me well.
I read 2,11
